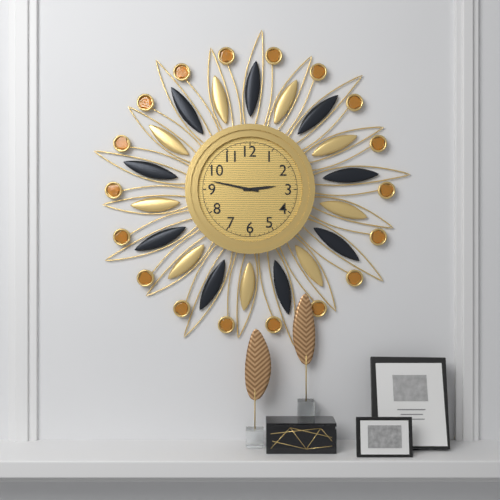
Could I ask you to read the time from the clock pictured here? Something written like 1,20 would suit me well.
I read 2,47
